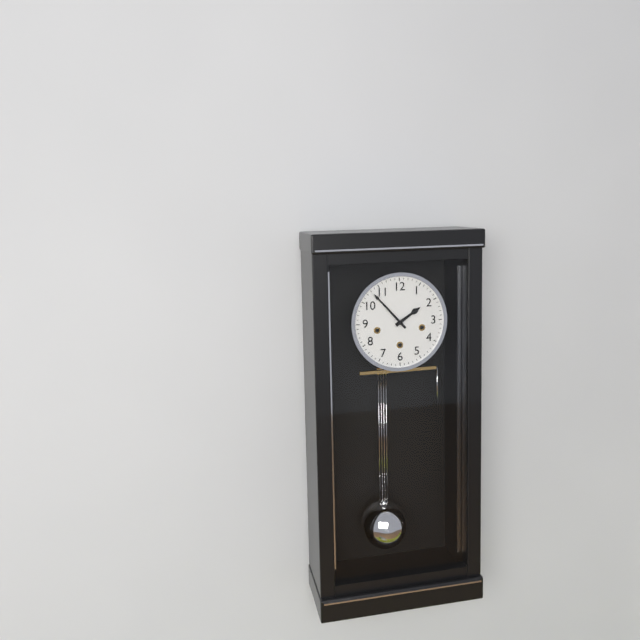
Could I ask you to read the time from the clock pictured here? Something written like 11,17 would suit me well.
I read 1,53
